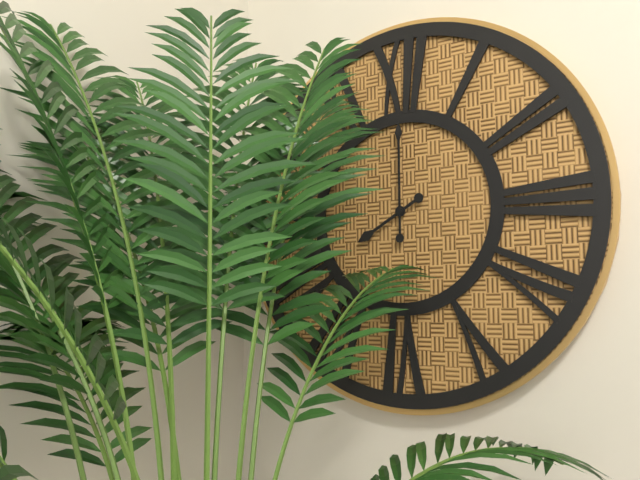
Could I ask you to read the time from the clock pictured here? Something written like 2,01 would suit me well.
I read 8,00
